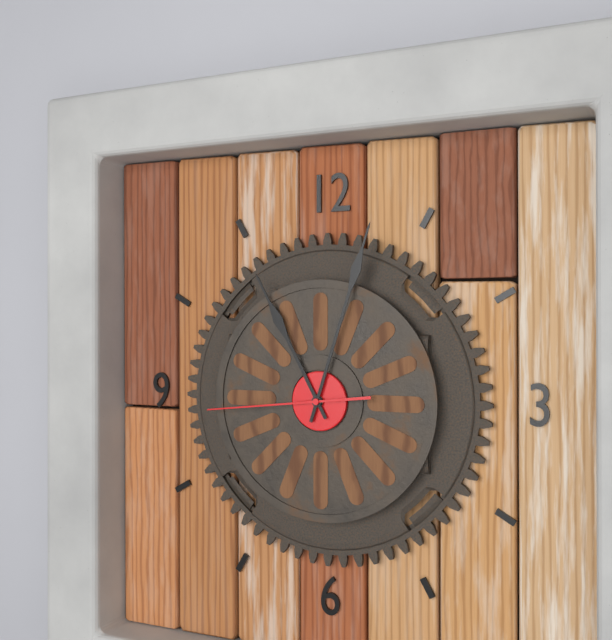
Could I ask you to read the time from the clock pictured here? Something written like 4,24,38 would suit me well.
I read 11,03,44
